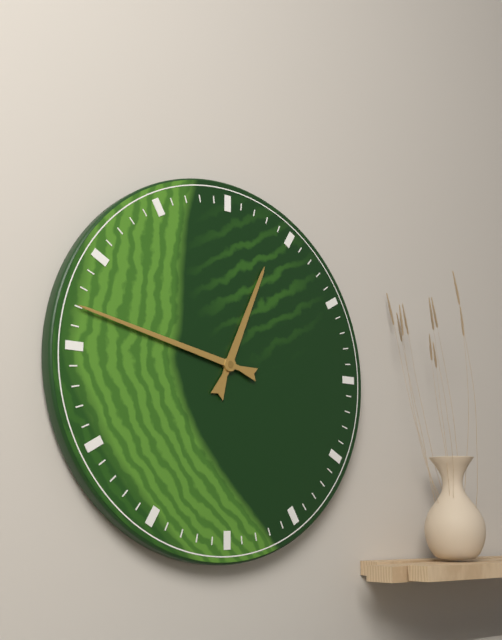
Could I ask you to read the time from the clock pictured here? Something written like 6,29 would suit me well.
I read 12,47
